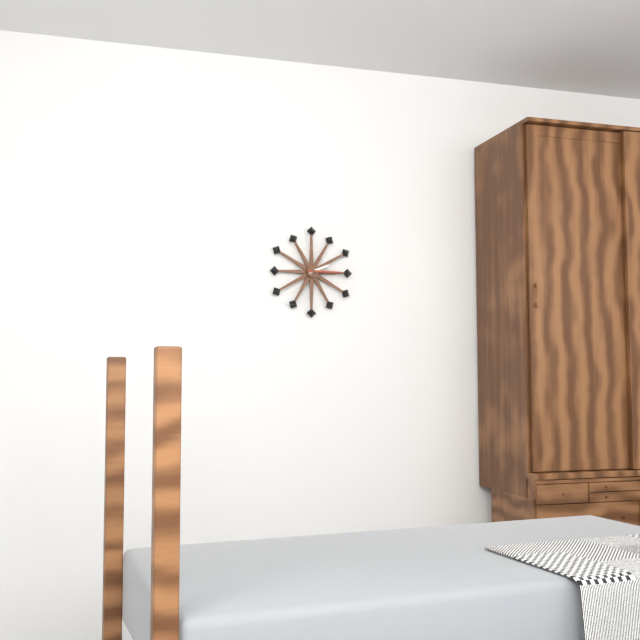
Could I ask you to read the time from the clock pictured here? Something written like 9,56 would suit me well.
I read 2,15
